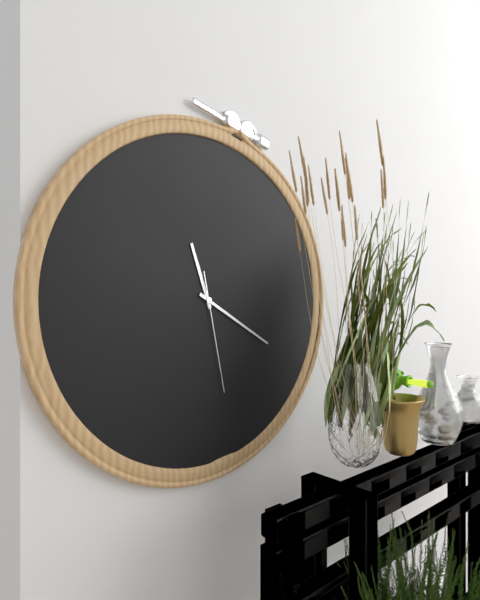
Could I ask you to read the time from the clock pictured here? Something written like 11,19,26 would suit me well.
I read 11,20,28
